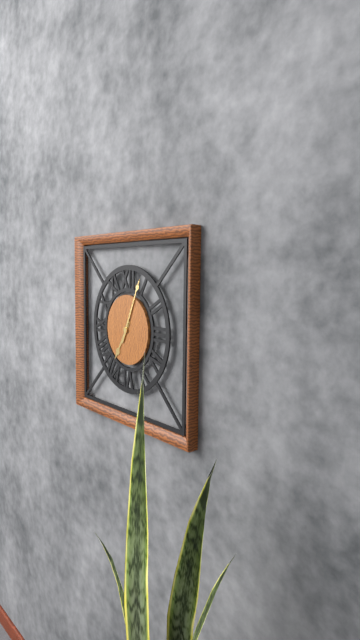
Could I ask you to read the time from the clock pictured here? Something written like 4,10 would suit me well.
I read 7,04
